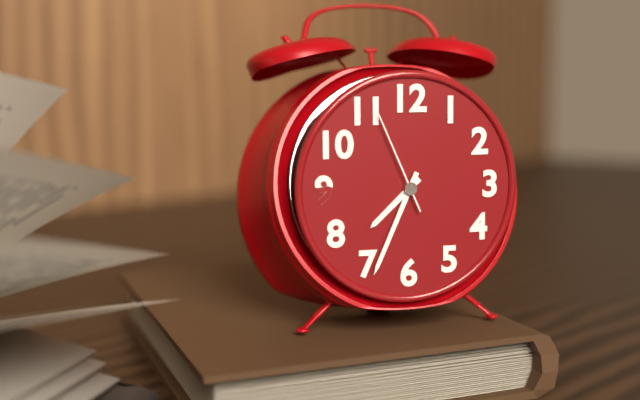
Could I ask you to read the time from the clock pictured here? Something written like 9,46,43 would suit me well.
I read 7,34,56
